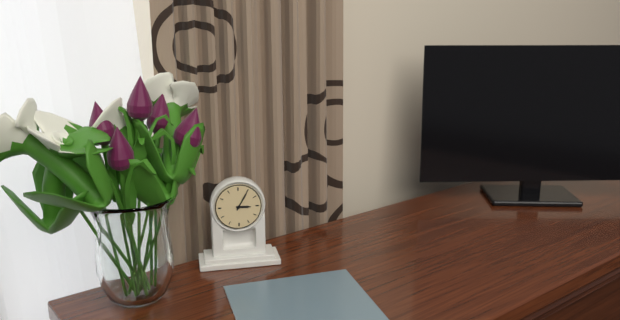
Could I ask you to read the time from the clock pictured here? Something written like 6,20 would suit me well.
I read 3,05
